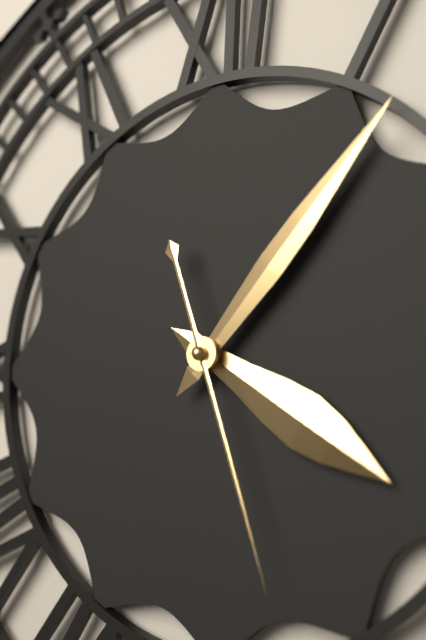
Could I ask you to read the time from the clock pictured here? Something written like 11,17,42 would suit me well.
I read 4,07,27
